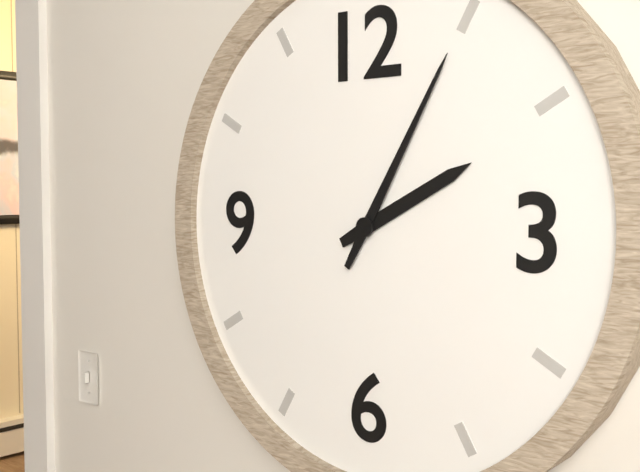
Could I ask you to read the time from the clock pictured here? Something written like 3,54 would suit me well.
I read 2,05
